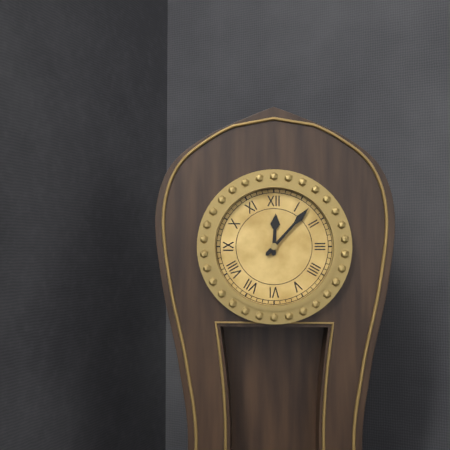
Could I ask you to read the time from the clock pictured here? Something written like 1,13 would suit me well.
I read 12,07
